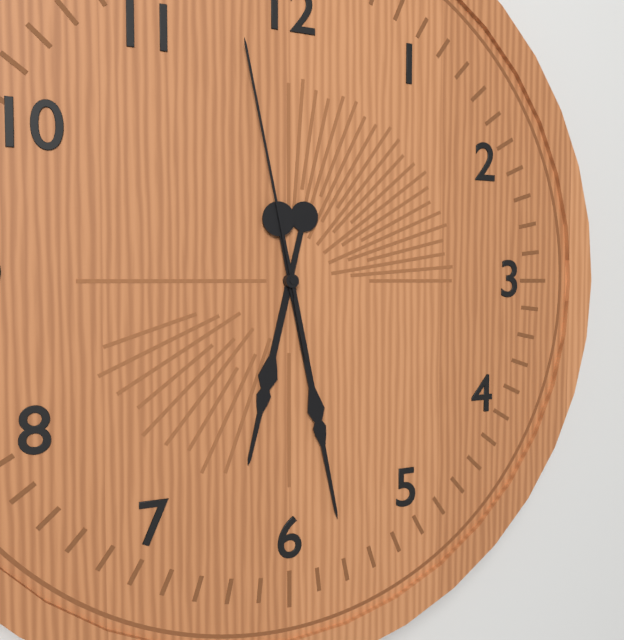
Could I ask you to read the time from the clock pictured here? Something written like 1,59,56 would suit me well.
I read 6,28,58
